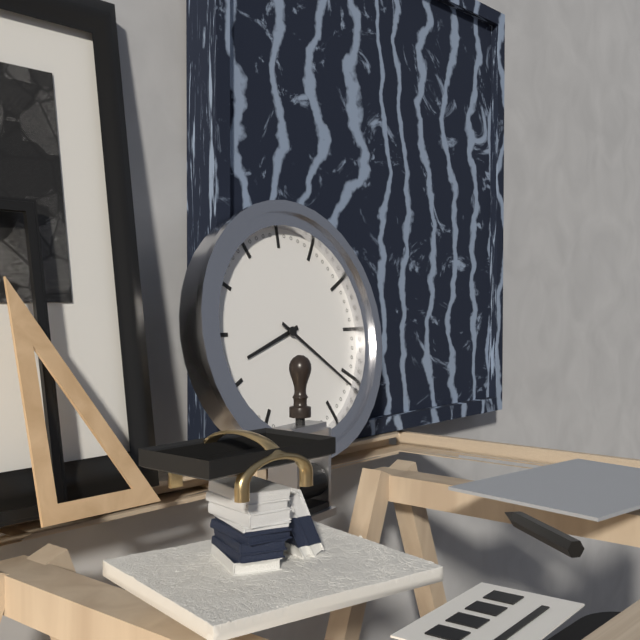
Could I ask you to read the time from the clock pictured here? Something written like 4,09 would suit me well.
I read 8,21
